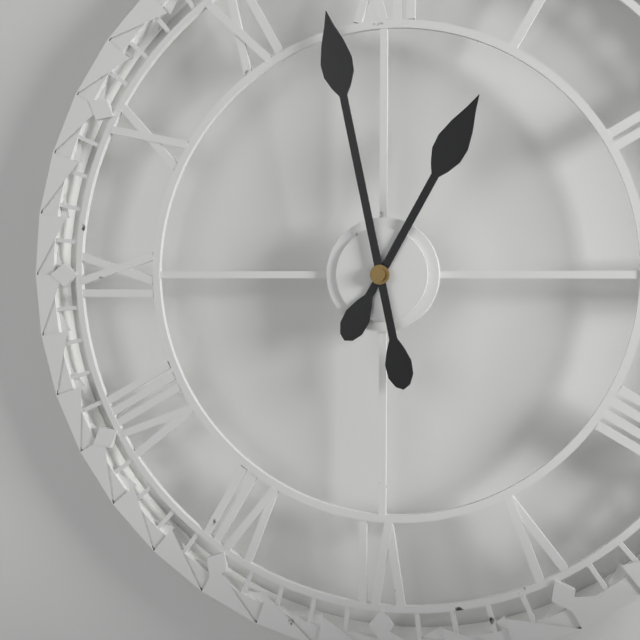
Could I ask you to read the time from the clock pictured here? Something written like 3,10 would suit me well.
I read 12,58
